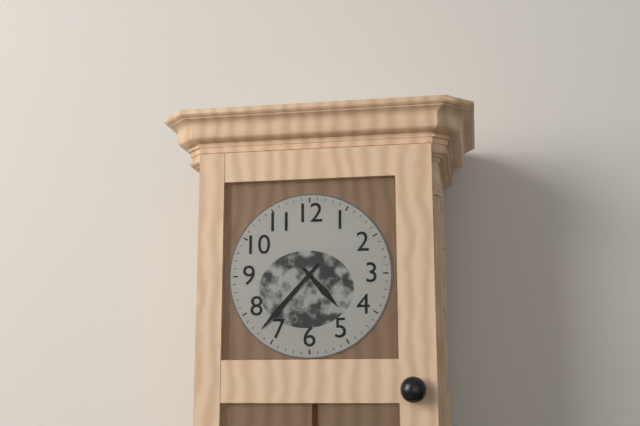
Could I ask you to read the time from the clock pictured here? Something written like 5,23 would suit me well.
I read 4,37
